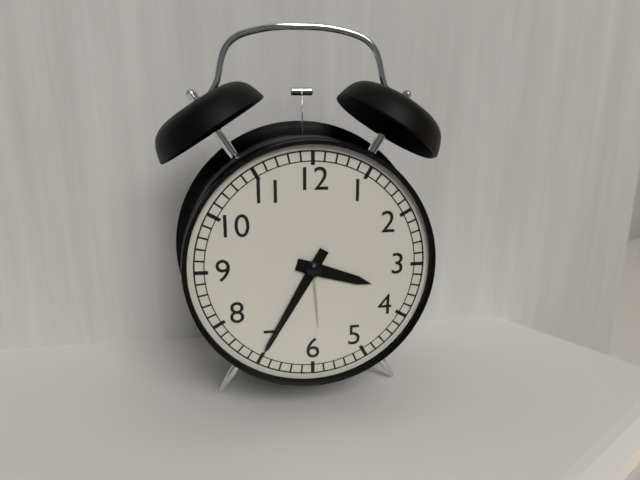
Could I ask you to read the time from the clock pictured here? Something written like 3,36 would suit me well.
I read 3,35
